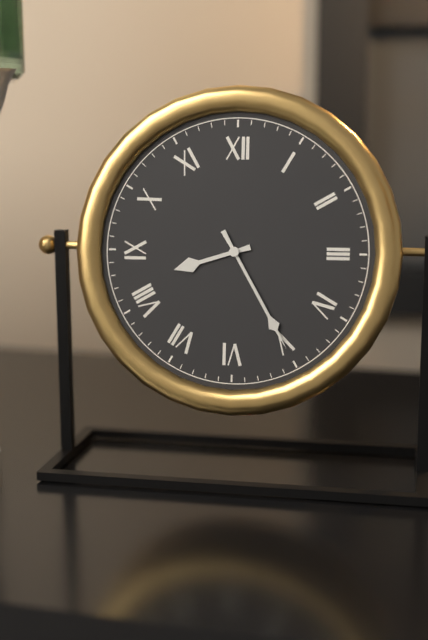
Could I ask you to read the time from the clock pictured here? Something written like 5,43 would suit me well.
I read 8,25
